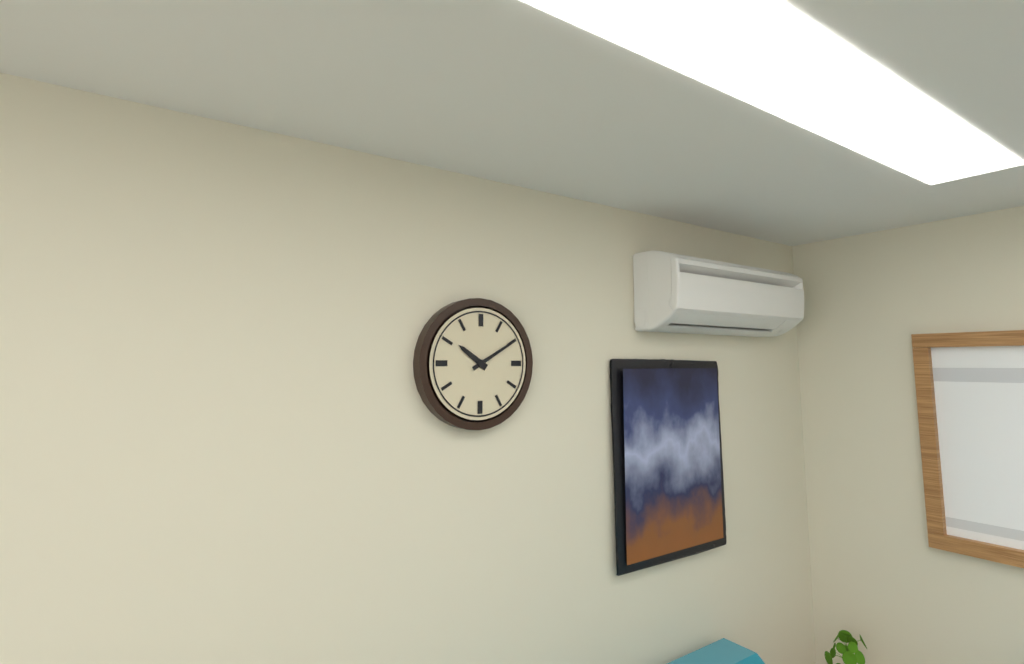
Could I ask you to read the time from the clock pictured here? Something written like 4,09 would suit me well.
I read 10,10
